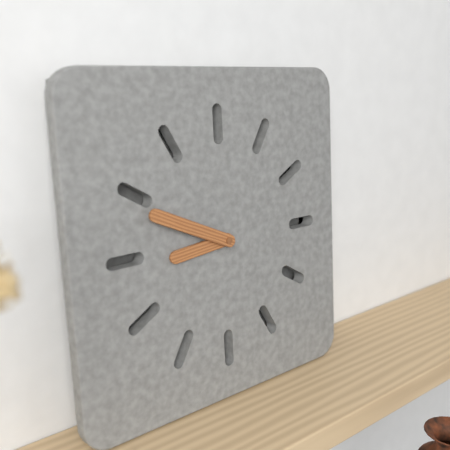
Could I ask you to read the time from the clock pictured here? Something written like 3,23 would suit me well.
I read 8,49
